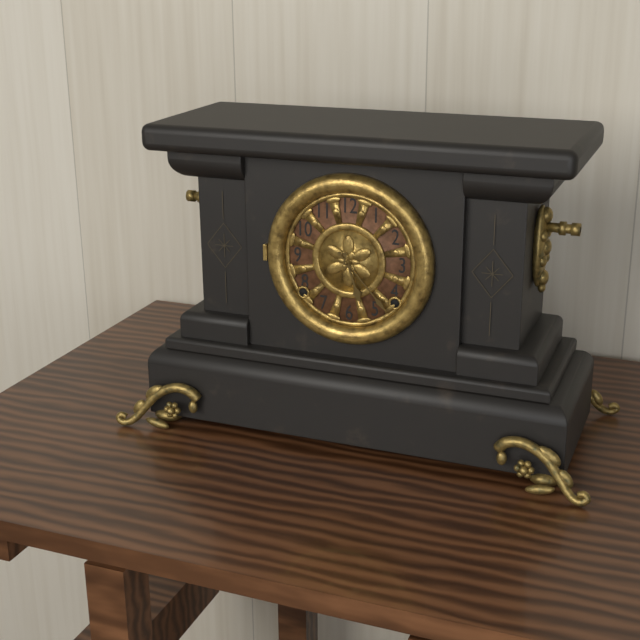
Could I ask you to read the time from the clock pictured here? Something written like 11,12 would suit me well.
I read 5,23
